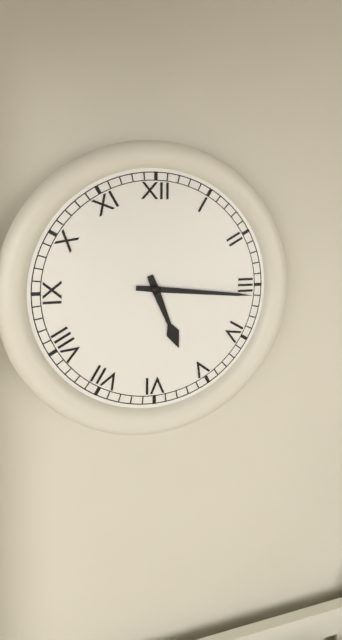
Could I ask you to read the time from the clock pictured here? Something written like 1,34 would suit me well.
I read 5,16
